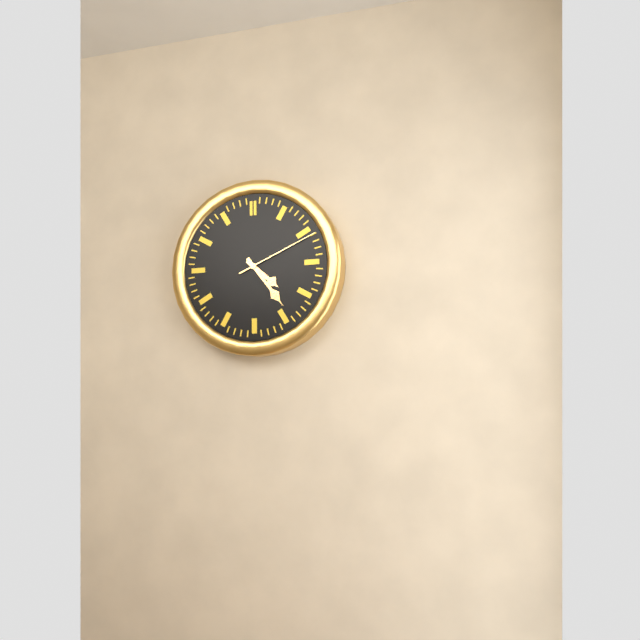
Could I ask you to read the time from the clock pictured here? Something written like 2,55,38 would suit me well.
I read 4,24,11
